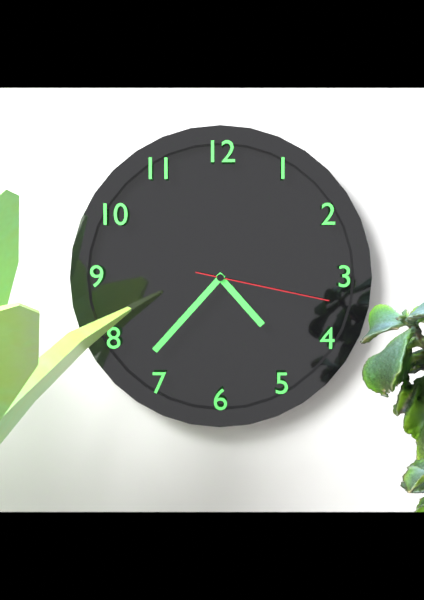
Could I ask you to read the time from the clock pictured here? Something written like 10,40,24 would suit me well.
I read 4,37,17
